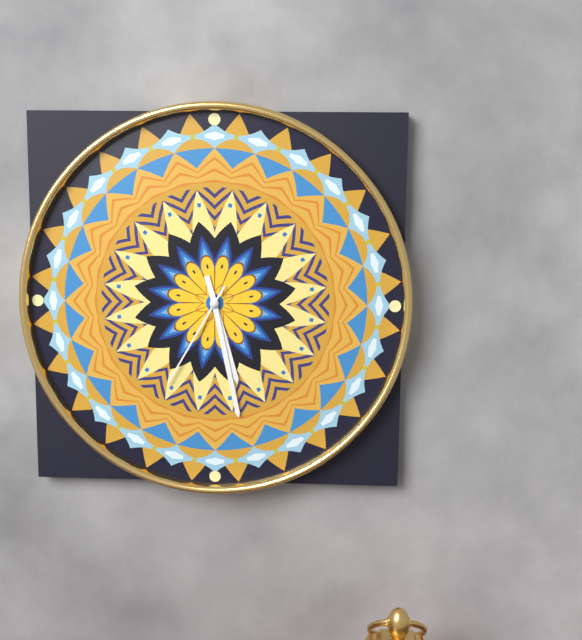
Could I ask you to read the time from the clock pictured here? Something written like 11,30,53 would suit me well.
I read 5,28,35
